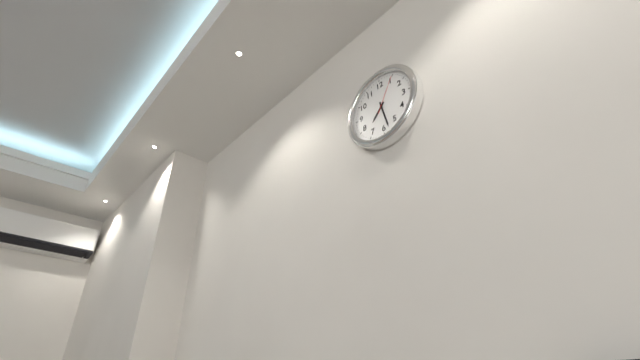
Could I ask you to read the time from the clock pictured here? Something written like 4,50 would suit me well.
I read 7,28
